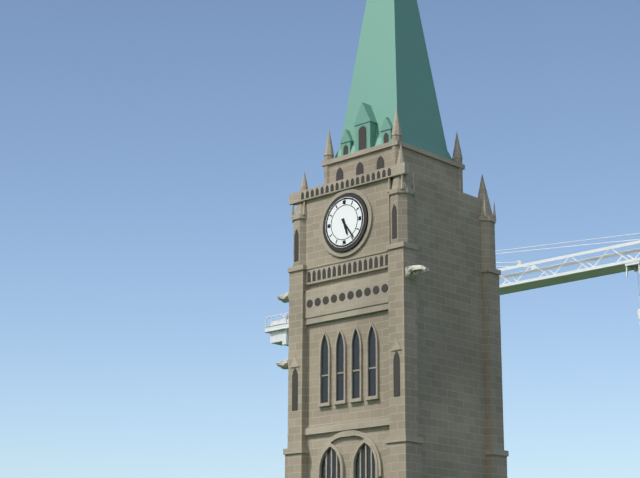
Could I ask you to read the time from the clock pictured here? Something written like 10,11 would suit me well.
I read 5,24
